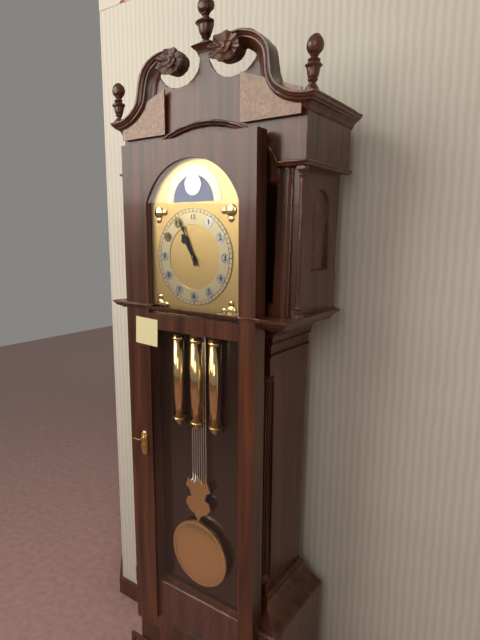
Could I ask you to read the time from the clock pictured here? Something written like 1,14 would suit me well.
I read 10,56
